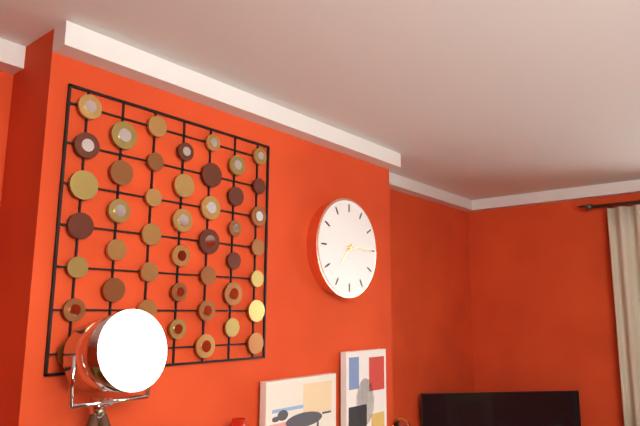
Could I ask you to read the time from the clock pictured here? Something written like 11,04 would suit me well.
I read 7,15
